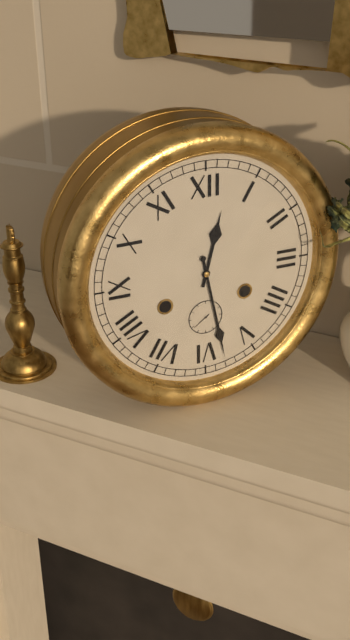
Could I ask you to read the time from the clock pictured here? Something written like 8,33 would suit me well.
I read 12,28
